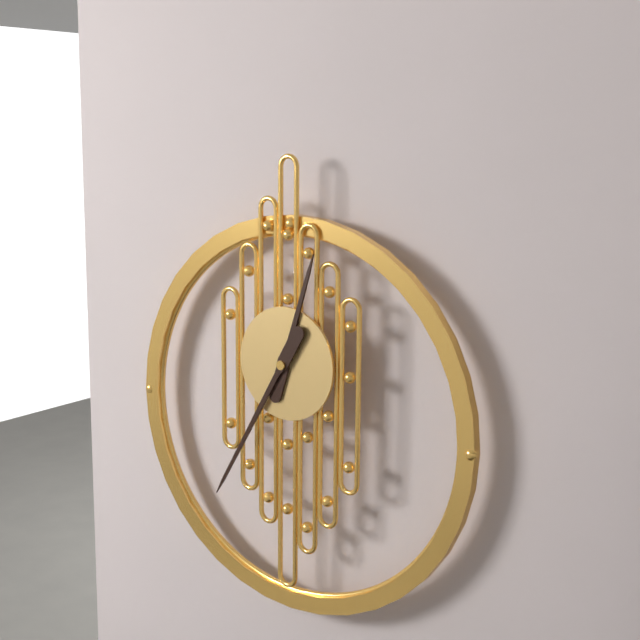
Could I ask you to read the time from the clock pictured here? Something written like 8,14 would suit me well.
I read 12,35
